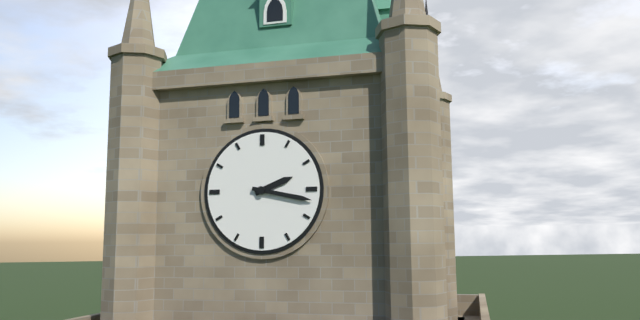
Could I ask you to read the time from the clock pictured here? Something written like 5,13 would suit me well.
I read 2,17
